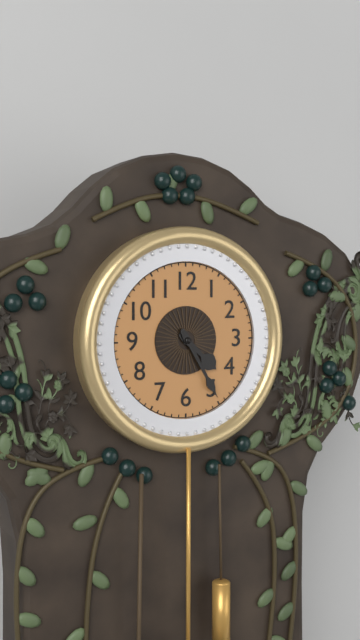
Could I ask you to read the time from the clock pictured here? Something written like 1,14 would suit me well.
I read 4,25
